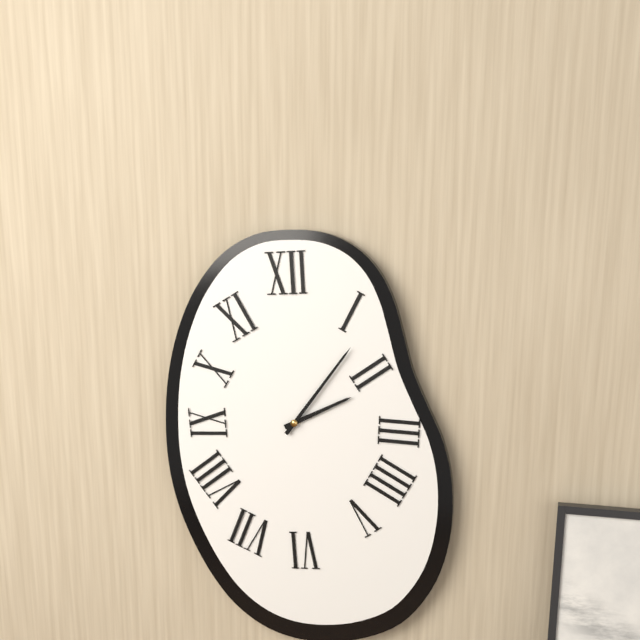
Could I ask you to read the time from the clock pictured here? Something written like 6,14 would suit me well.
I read 2,06
